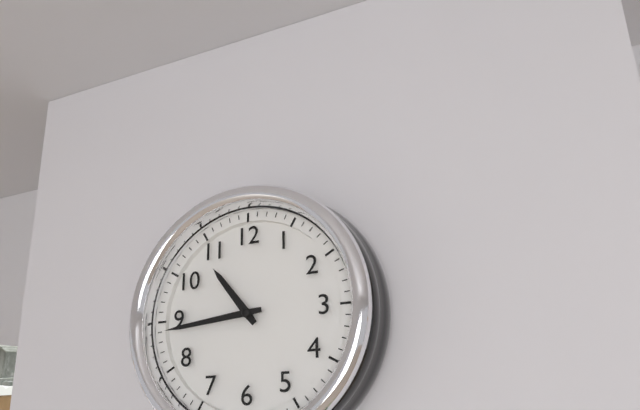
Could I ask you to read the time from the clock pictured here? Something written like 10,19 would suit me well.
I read 10,44
